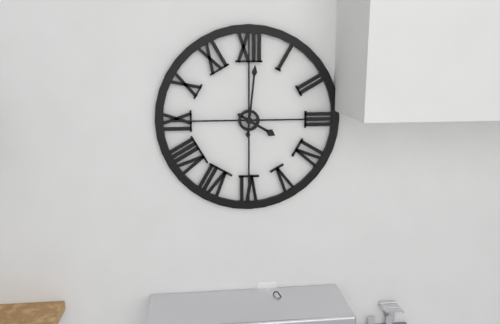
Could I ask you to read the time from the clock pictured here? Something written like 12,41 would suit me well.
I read 4,01
